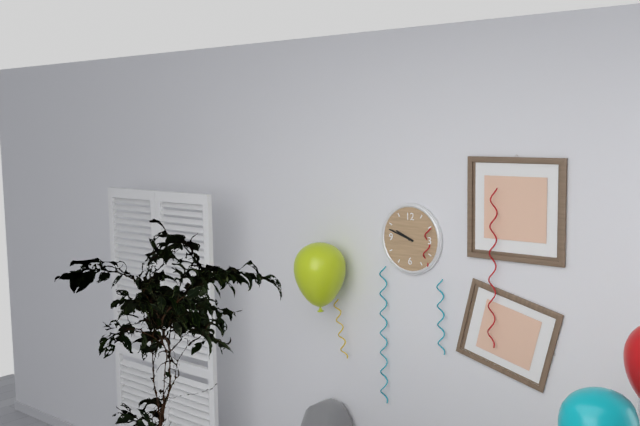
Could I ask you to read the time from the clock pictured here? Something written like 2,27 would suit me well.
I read 9,48
